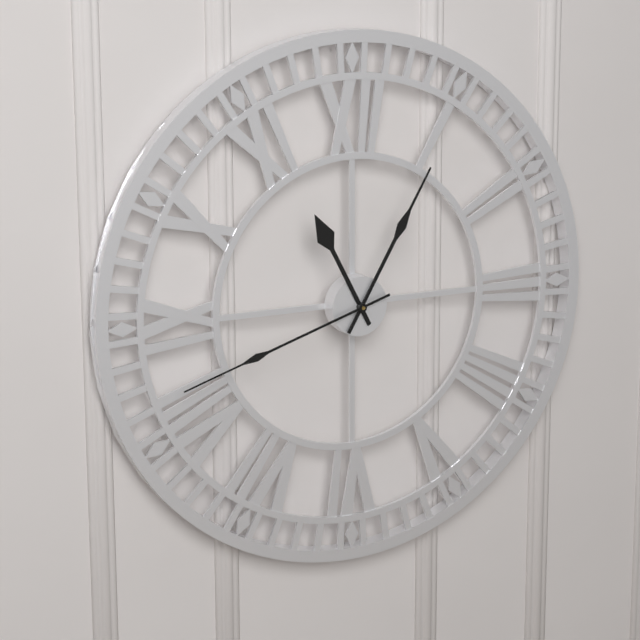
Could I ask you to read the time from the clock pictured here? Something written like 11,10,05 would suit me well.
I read 11,05,42
